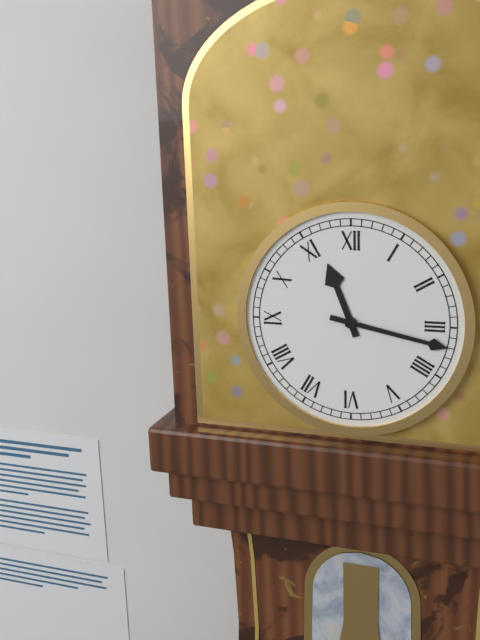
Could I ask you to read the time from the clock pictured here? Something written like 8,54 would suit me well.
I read 11,17
